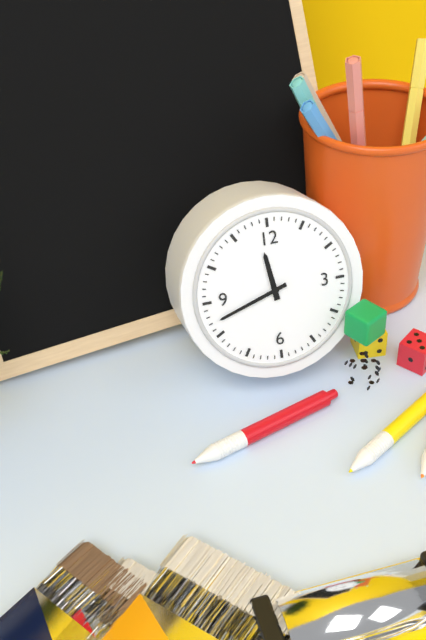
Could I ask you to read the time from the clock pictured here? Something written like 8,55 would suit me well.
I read 11,42
